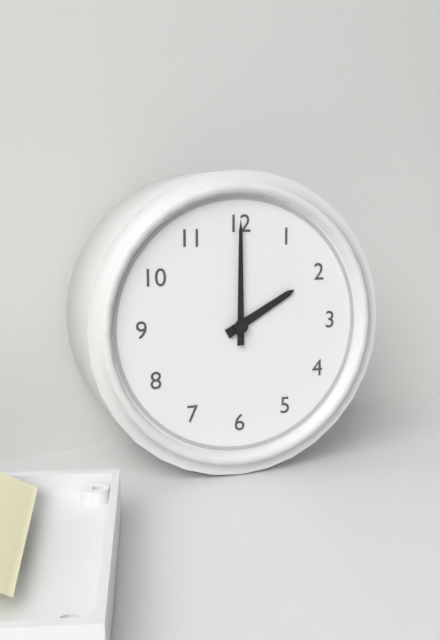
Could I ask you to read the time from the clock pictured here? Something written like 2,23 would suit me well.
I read 2,00
